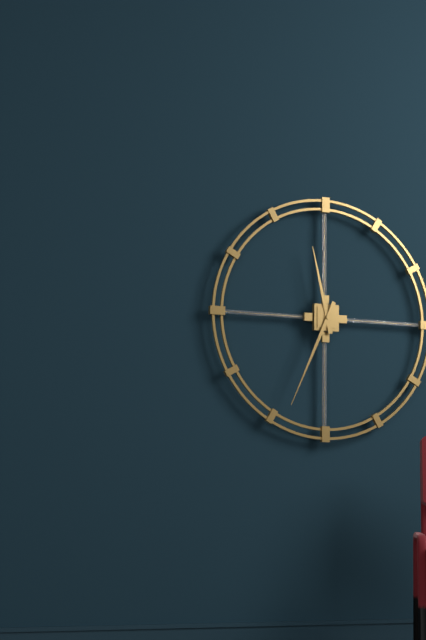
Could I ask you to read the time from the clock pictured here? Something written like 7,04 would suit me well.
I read 11,34
